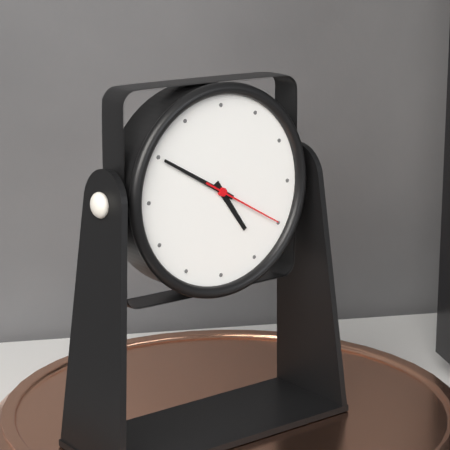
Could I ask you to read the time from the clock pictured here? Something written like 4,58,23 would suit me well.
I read 4,50,20
